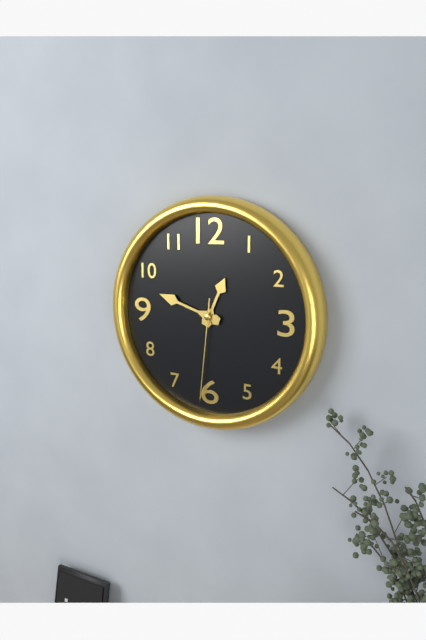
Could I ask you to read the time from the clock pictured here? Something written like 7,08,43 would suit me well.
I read 12,48,31
